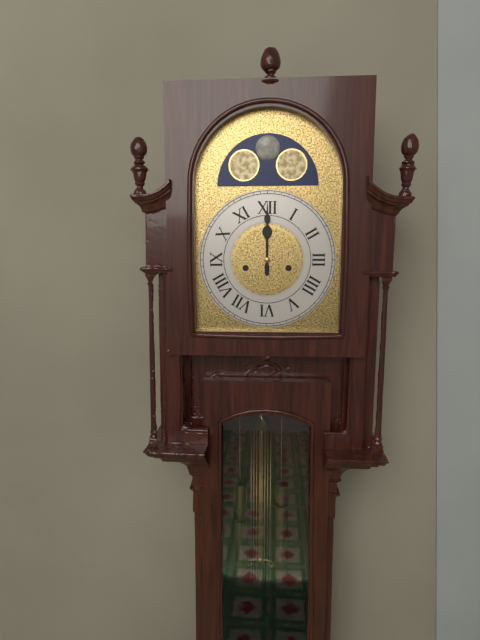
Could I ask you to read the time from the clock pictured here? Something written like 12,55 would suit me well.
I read 12,00
